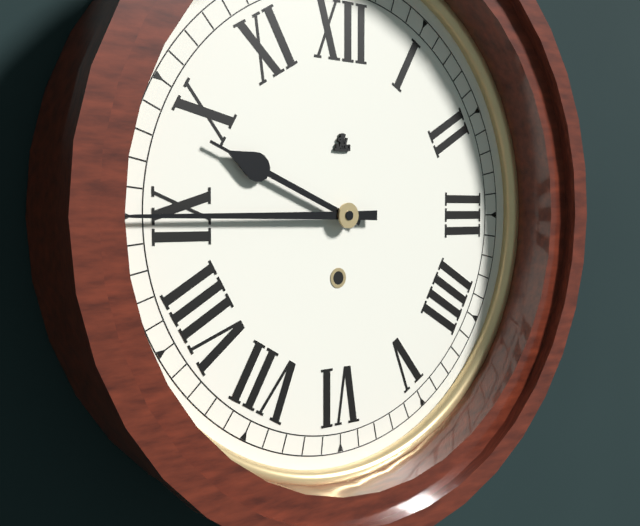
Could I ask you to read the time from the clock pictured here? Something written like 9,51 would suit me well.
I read 9,45
